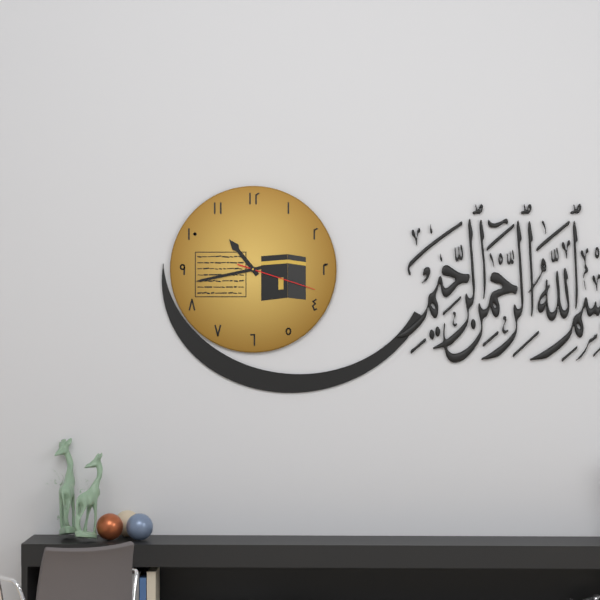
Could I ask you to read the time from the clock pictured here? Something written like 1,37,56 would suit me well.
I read 10,43,18
